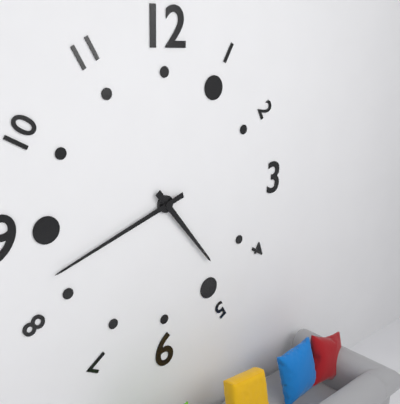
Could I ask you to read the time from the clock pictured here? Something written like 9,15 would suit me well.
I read 4,42
